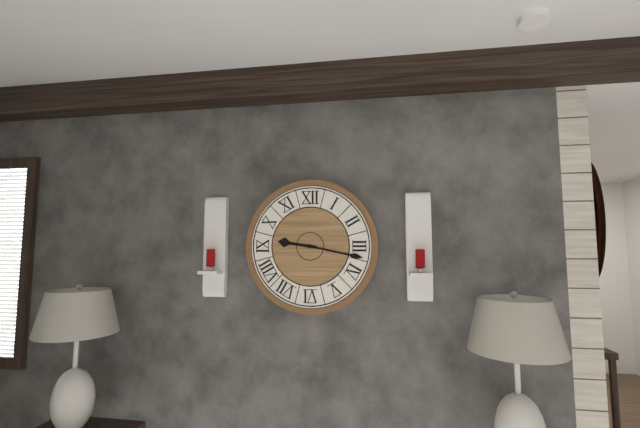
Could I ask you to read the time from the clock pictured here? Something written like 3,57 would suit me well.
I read 9,17
